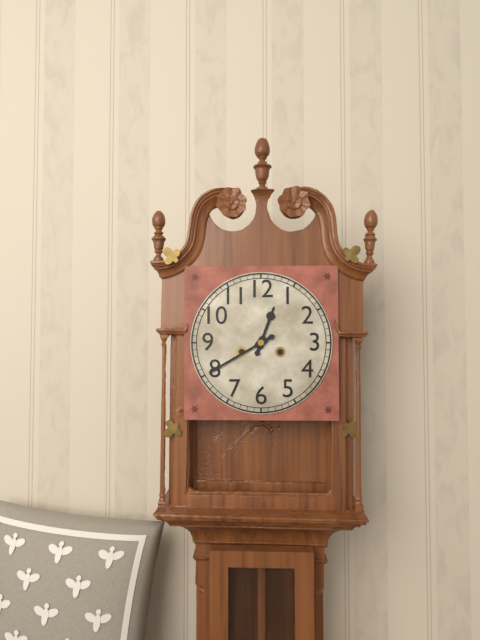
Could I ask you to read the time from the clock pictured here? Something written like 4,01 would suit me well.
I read 12,40
